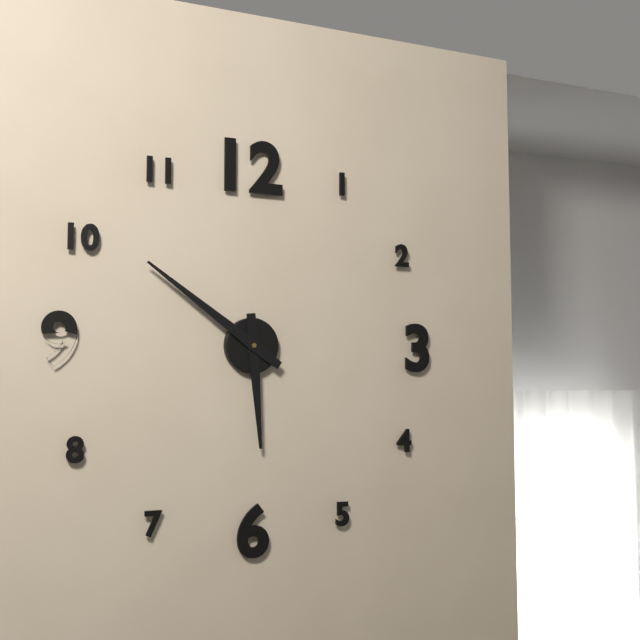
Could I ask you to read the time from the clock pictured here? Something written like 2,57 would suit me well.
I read 5,51
